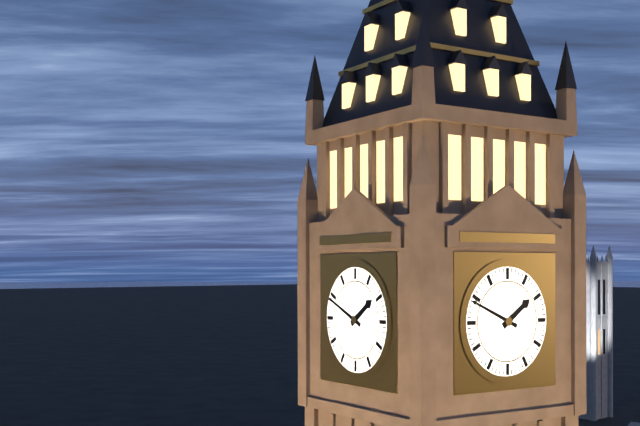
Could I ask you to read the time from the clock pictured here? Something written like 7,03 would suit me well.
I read 1,49
